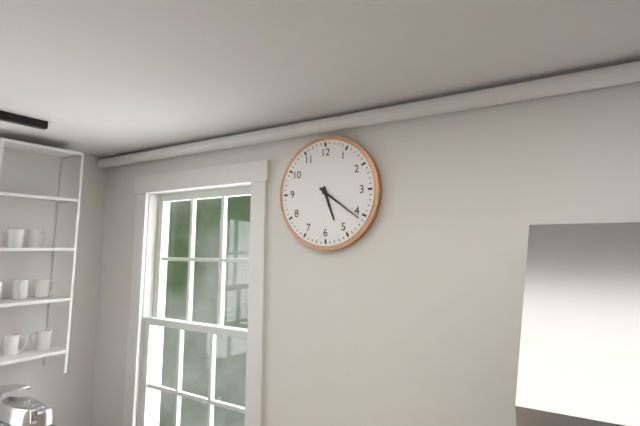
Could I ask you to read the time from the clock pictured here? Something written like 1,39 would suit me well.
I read 5,21
